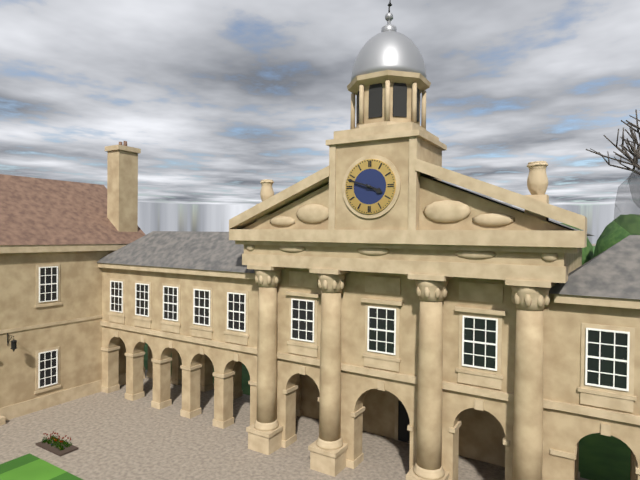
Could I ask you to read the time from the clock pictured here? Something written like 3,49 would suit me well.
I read 3,48
